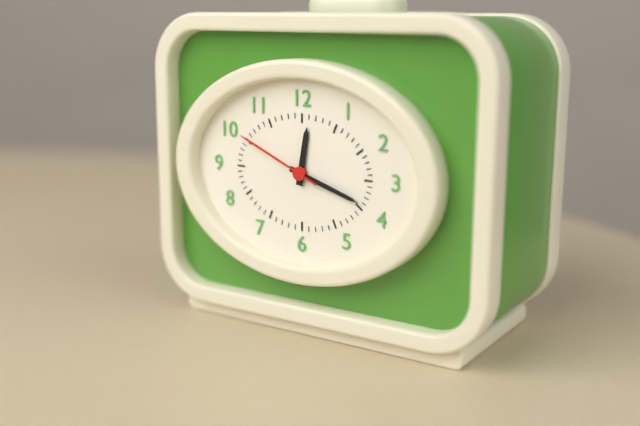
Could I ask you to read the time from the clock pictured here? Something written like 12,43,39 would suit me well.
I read 12,18,49
